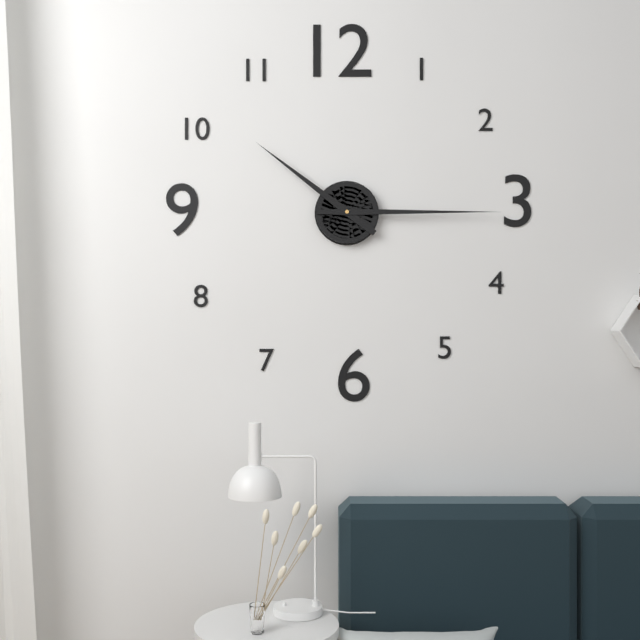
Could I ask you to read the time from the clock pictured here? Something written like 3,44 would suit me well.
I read 10,15
